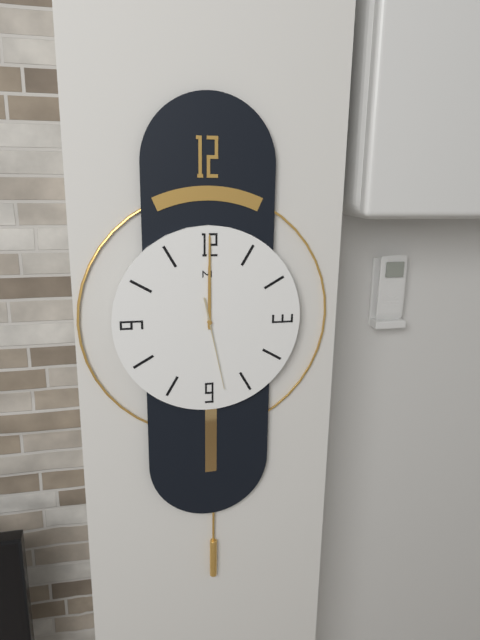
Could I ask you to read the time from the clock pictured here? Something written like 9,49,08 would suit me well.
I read 12,00,28
